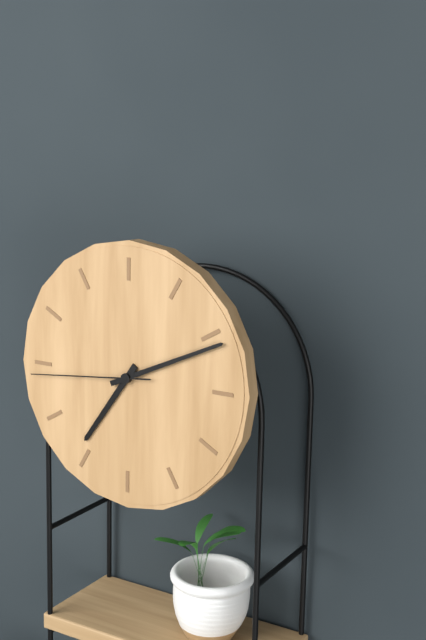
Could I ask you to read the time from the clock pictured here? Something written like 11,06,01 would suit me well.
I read 7,11,44
